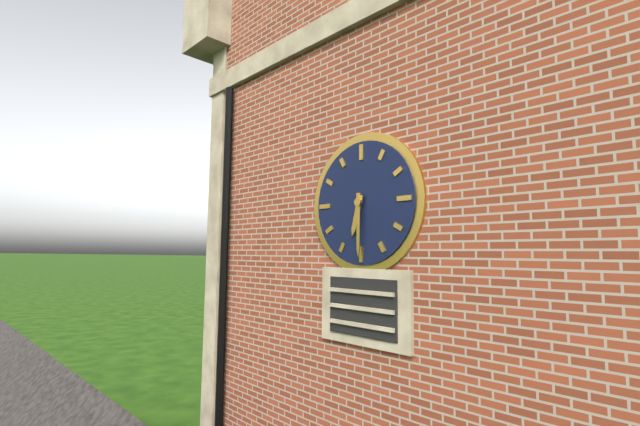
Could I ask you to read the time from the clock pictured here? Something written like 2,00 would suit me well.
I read 6,30
